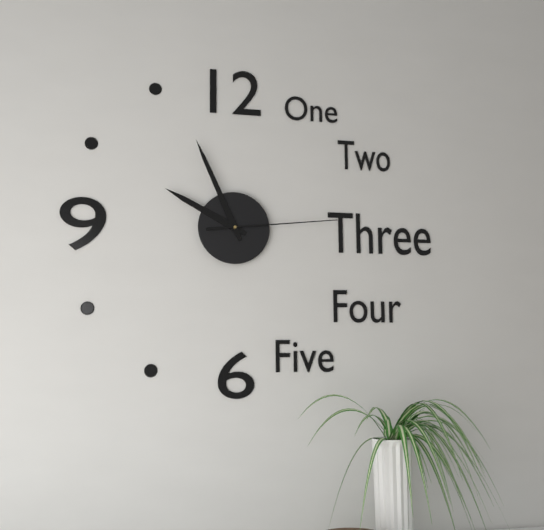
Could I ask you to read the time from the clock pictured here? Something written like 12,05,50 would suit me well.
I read 9,56,14
